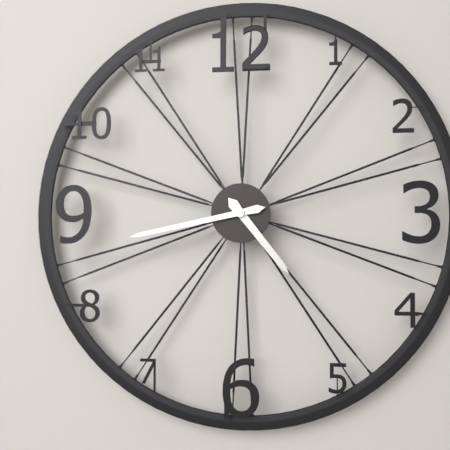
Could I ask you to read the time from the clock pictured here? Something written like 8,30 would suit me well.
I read 4,43
